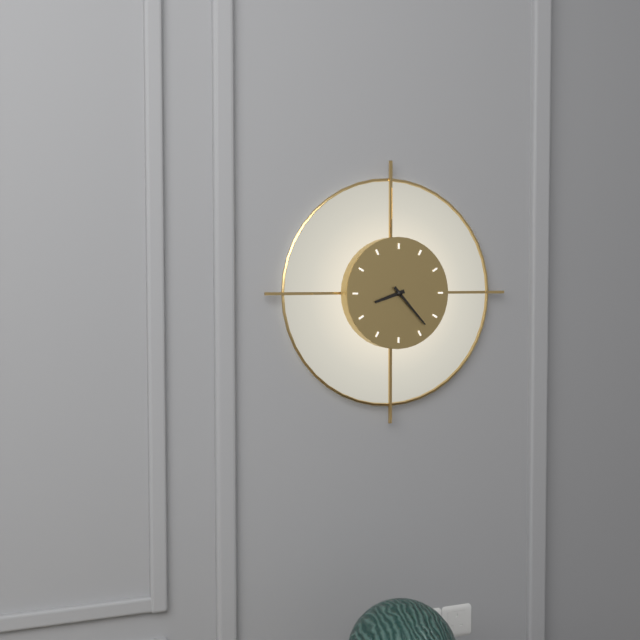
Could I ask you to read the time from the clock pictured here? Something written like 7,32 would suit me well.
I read 8,23
